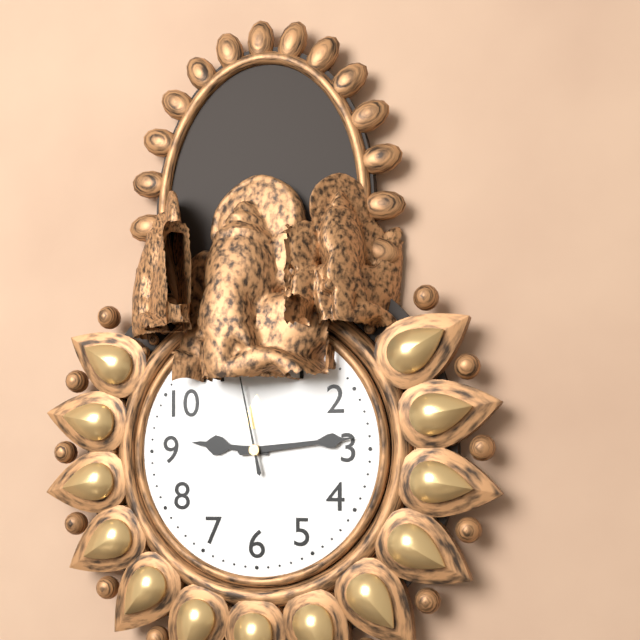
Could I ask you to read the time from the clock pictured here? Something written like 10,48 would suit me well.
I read 9,14
